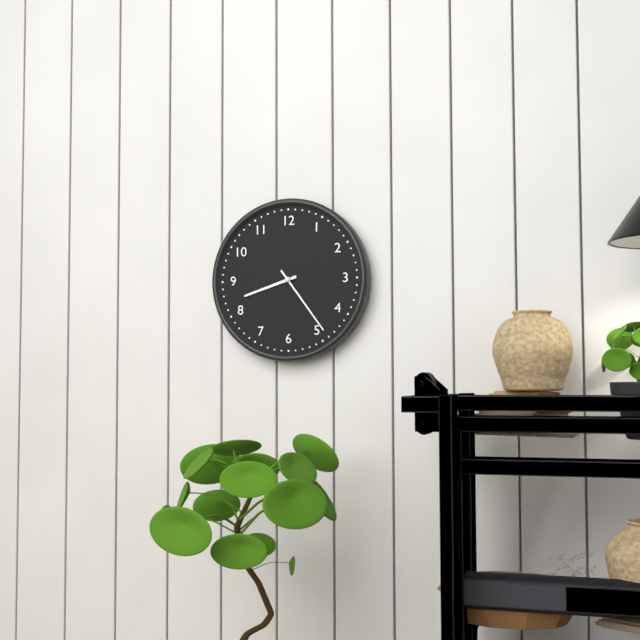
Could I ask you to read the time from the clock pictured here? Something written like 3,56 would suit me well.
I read 8,24
